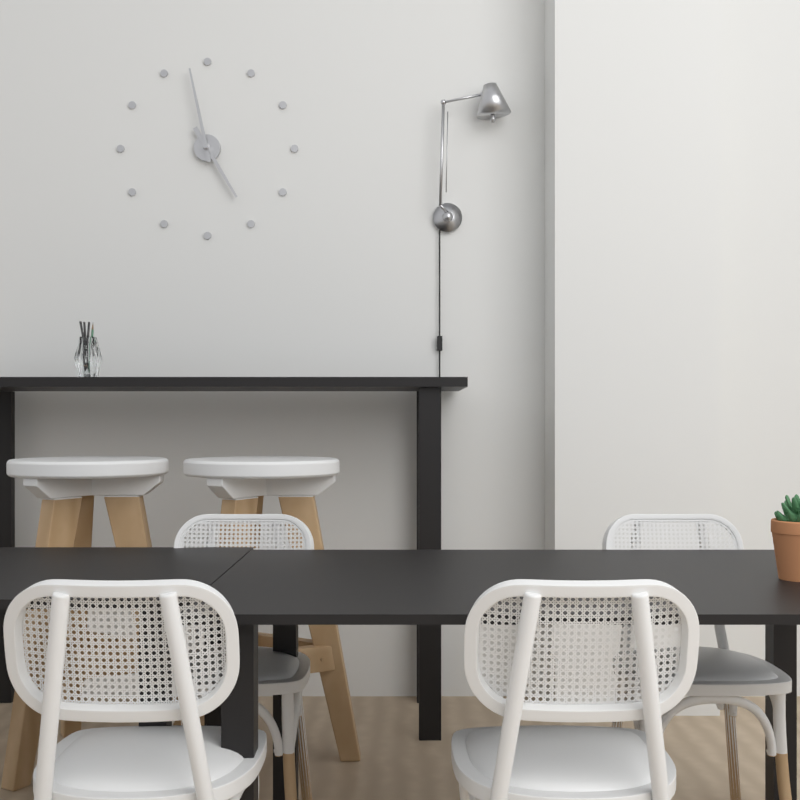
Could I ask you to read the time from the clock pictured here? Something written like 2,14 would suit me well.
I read 4,58
